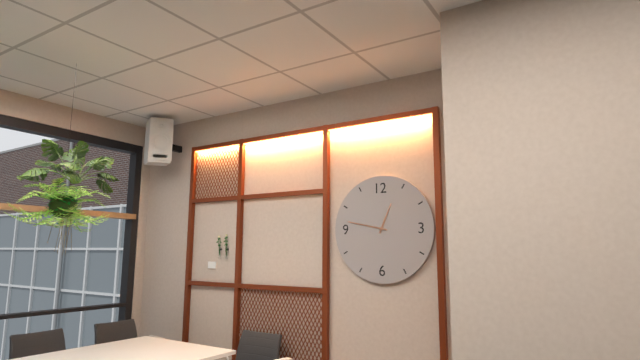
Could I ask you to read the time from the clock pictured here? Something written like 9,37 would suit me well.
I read 12,47
